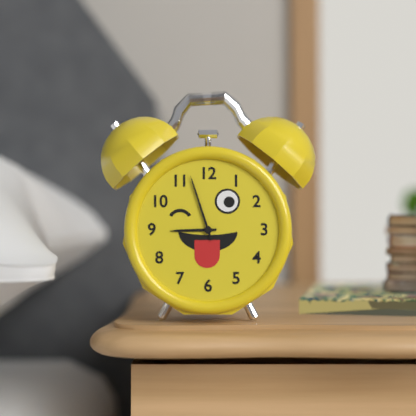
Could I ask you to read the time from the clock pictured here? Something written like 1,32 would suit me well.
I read 8,57
